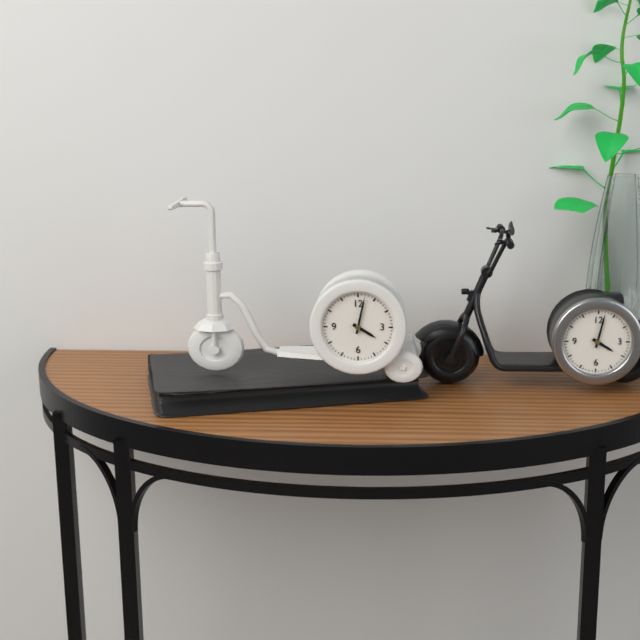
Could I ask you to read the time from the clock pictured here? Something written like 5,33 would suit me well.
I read 4,02
